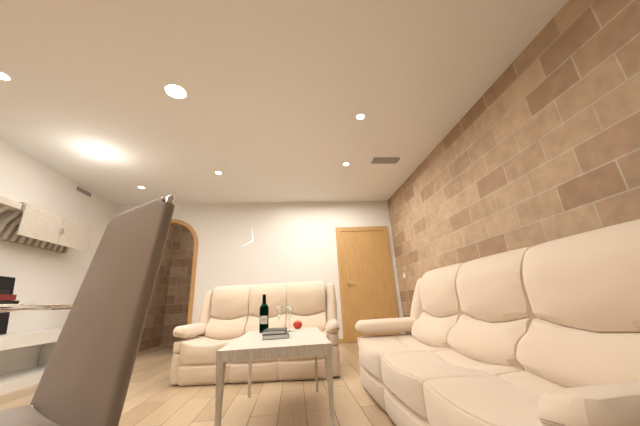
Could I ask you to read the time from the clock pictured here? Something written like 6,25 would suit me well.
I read 7,59
